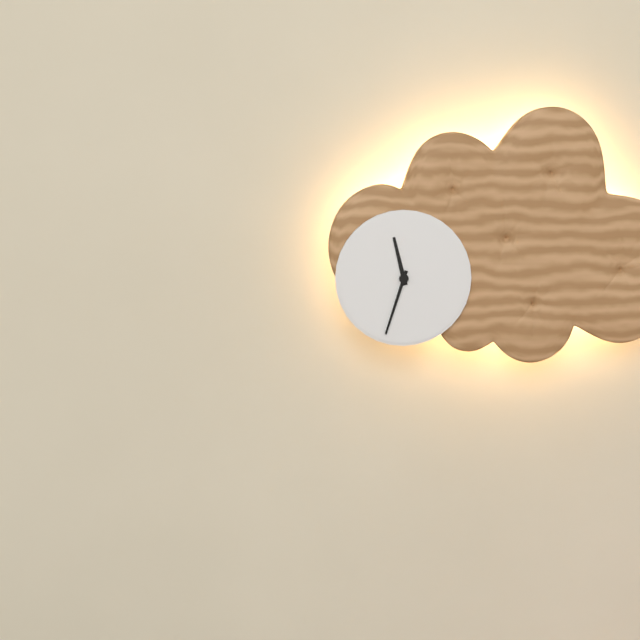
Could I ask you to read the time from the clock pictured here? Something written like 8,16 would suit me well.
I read 11,33
